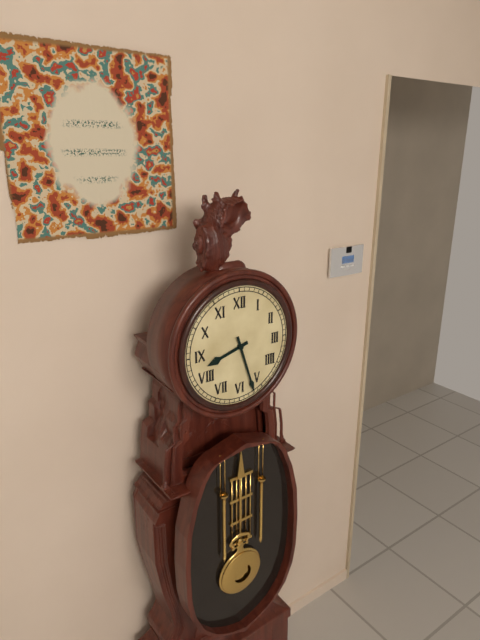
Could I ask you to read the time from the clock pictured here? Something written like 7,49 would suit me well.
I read 8,27
